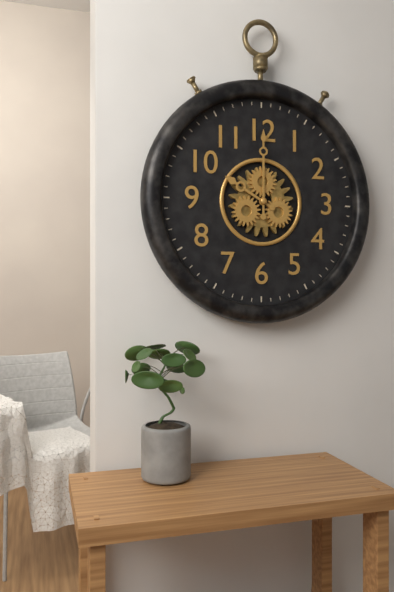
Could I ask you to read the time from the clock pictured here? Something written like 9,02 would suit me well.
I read 10,00
